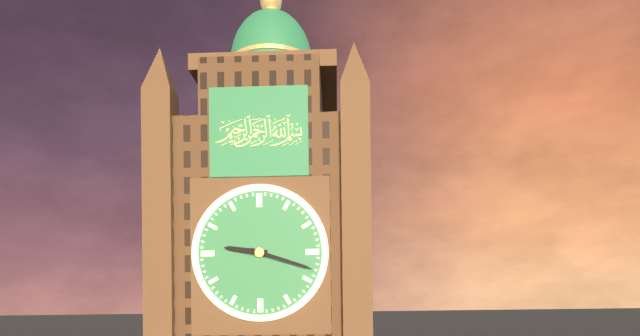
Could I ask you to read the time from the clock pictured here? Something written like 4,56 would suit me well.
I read 9,18
